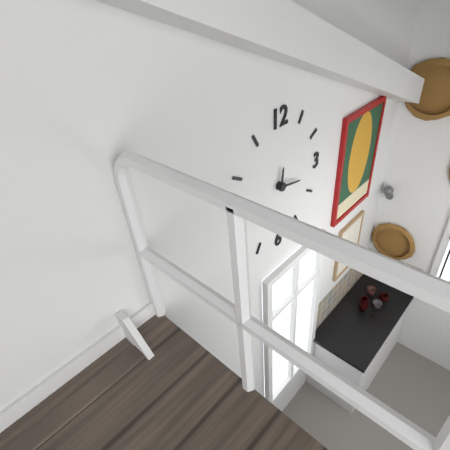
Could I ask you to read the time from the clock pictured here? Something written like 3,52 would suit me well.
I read 12,17
